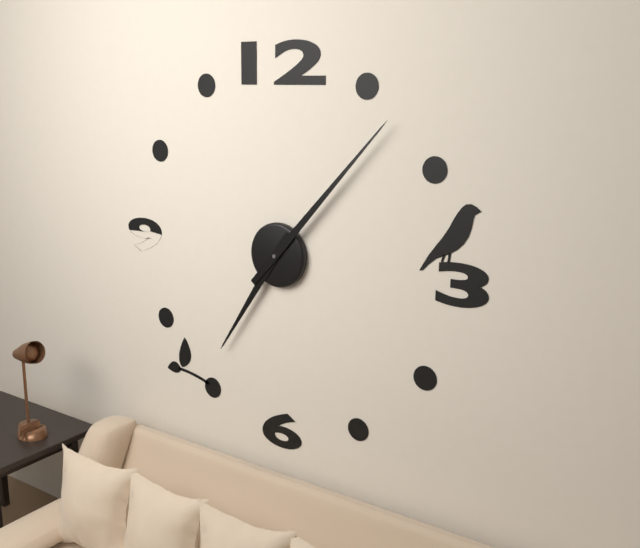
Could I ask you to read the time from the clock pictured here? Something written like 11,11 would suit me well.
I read 7,07
